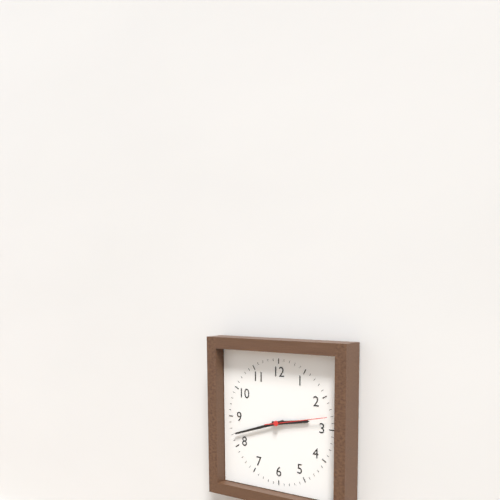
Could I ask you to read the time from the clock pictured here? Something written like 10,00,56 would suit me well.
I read 2,42,13
